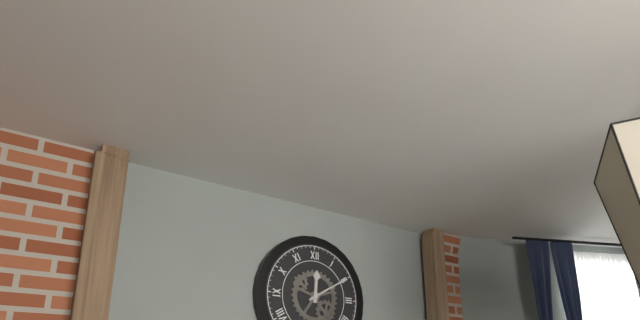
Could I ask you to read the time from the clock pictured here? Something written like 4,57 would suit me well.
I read 12,10
